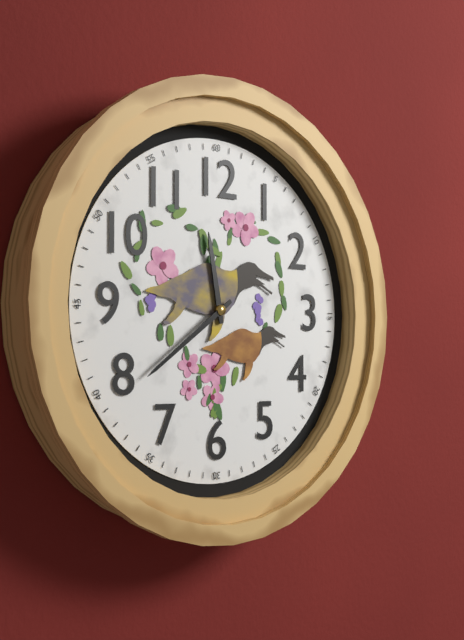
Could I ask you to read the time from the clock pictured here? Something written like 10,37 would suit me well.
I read 11,39
